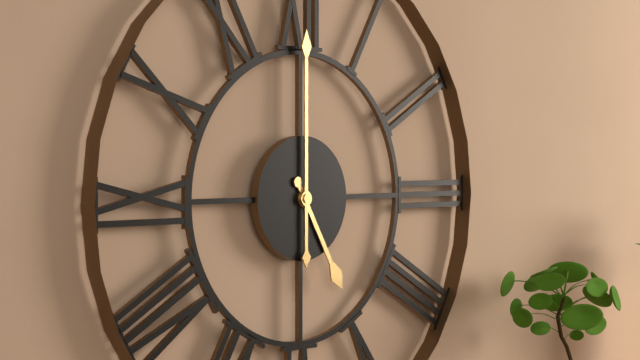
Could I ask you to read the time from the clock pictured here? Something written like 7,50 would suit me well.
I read 5,00
